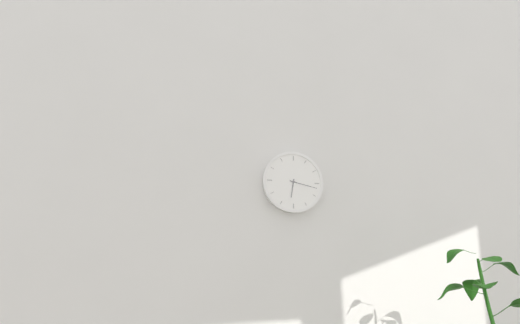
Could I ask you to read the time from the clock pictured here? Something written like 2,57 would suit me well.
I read 6,17
